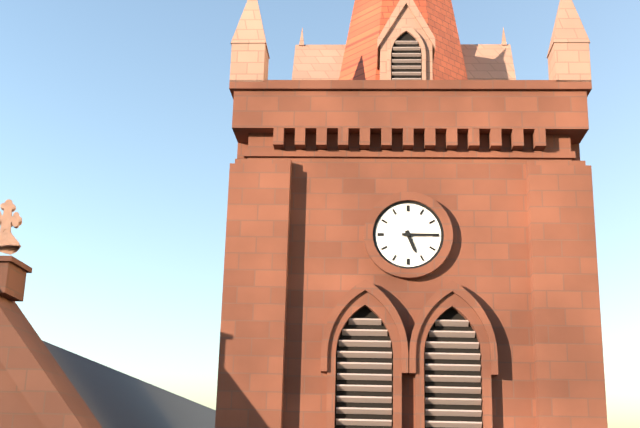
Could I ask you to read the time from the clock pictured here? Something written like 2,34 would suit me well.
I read 5,15
